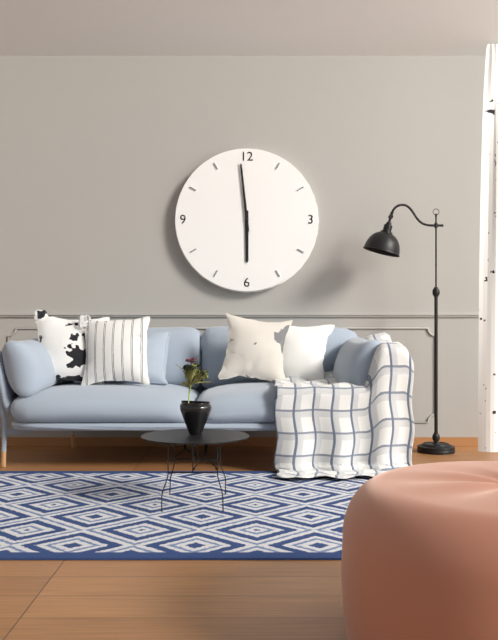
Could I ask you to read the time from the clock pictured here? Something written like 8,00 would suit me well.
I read 5,59
